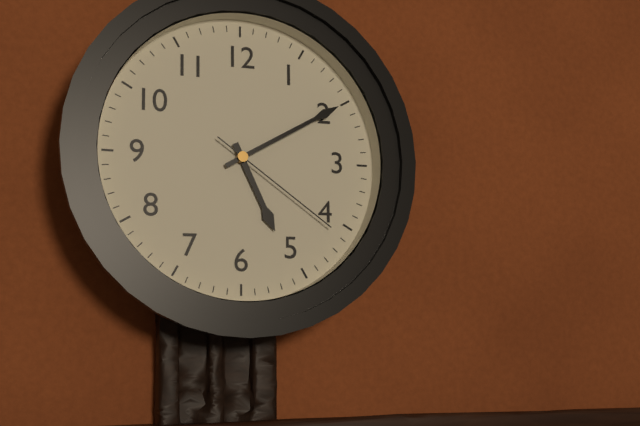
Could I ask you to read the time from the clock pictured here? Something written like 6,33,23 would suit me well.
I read 5,10,21
